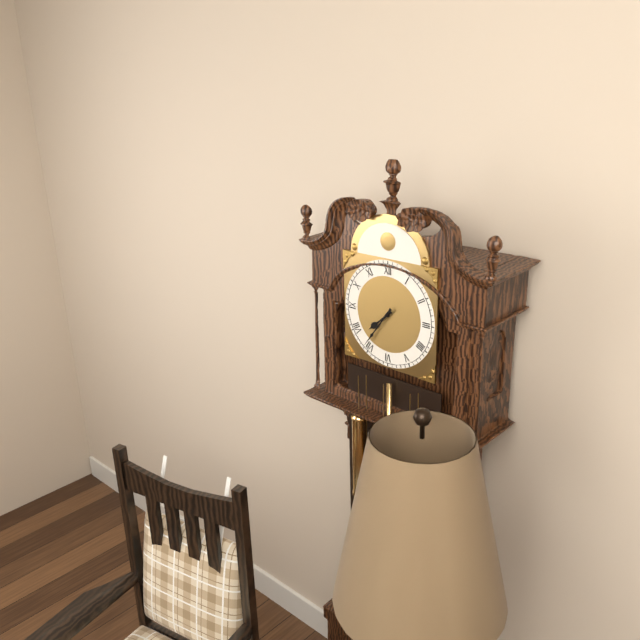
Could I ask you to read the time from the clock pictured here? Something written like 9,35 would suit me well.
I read 7,36
